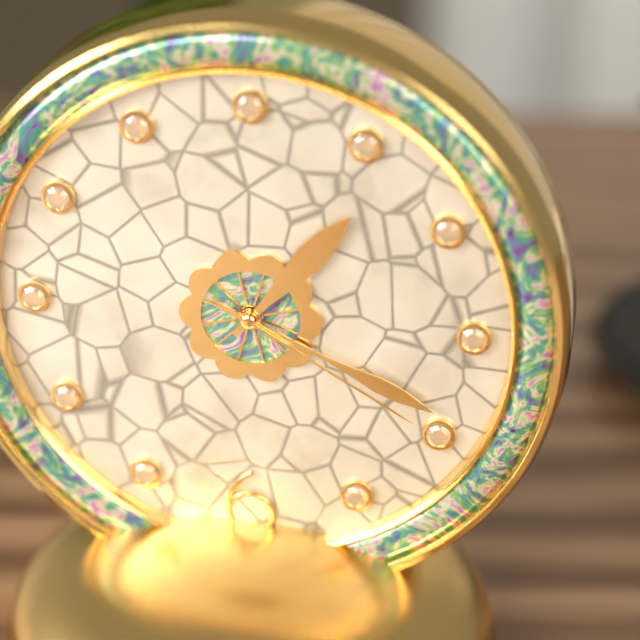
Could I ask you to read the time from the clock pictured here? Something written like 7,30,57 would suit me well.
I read 1,19,20
